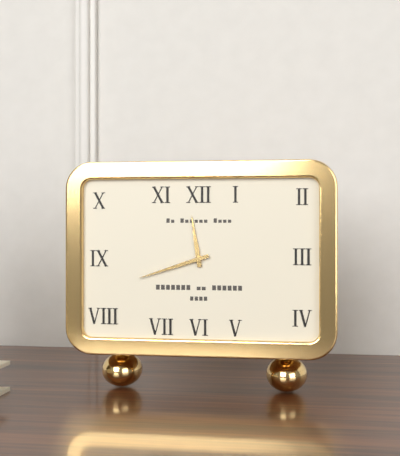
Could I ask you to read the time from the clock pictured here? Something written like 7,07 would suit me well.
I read 11,42
